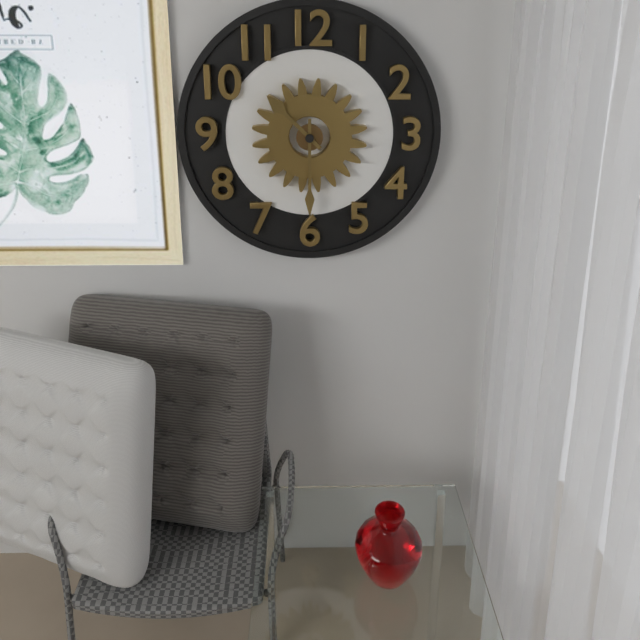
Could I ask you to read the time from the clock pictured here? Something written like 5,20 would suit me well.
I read 10,30
